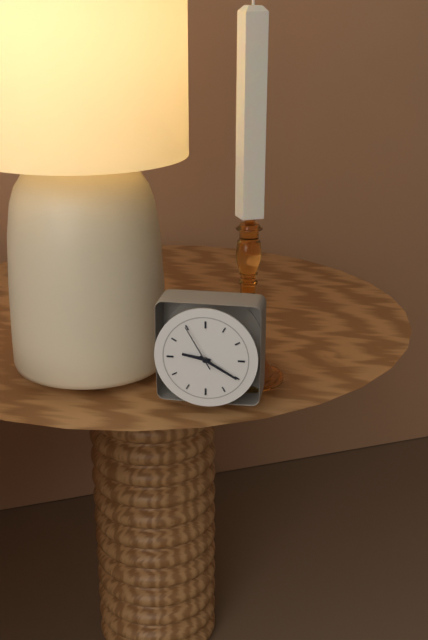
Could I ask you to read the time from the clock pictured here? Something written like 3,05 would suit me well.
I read 9,20
